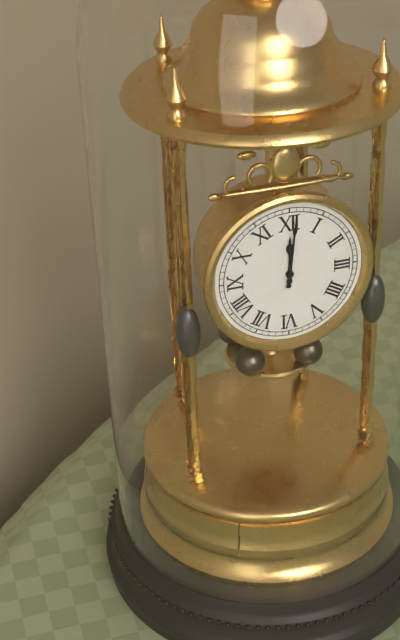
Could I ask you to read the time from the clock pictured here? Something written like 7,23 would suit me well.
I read 12,01
